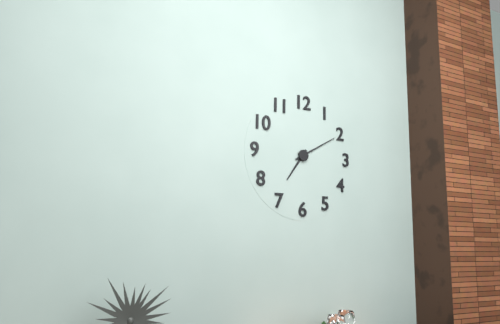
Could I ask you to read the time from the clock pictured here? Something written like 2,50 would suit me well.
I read 7,10
